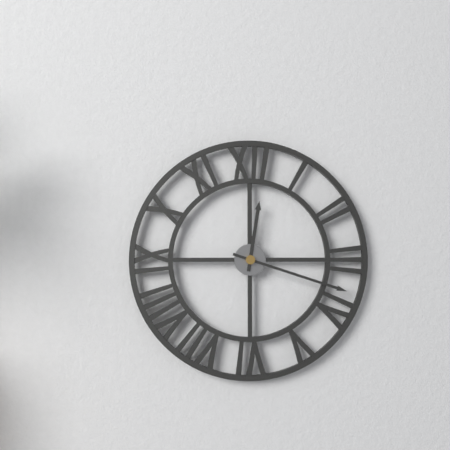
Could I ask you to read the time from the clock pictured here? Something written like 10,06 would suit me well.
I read 12,18
